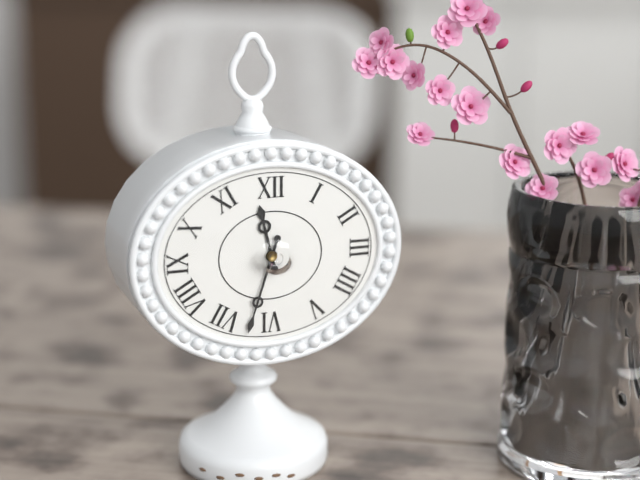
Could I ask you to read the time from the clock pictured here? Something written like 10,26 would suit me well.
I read 11,33
